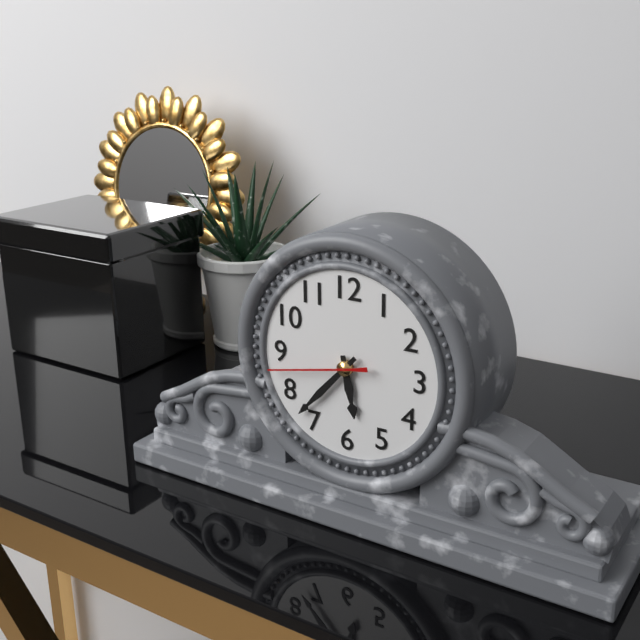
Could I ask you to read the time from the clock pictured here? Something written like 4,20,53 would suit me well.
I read 5,37,43
